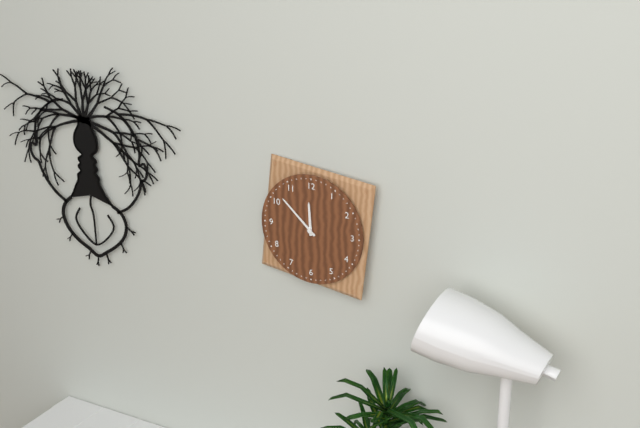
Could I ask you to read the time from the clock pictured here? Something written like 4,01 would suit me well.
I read 11,52
